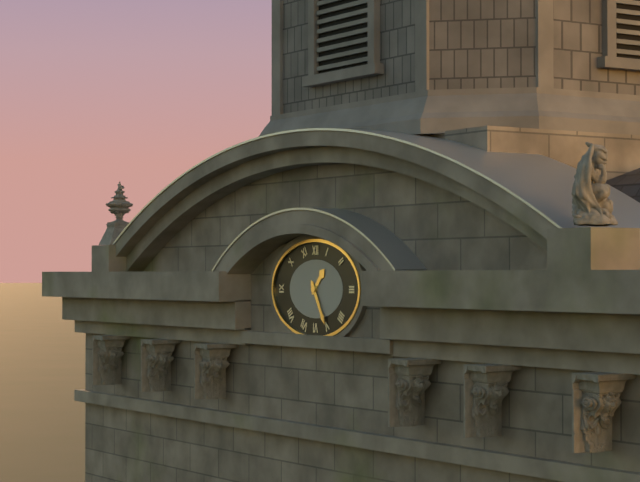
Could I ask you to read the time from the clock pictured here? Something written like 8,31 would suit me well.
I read 1,25
